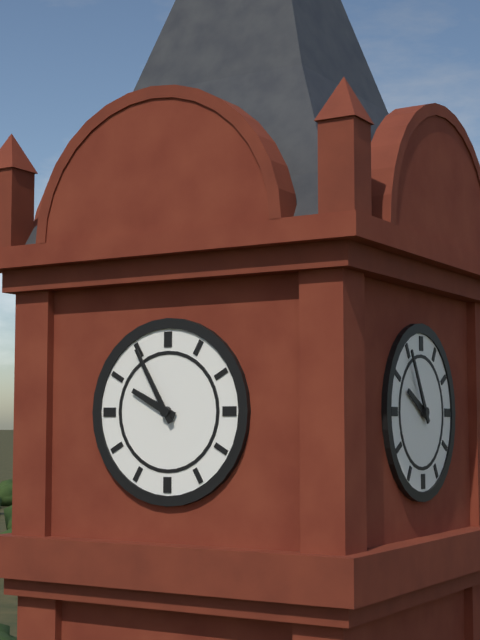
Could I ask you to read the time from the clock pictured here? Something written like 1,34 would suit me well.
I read 9,55
